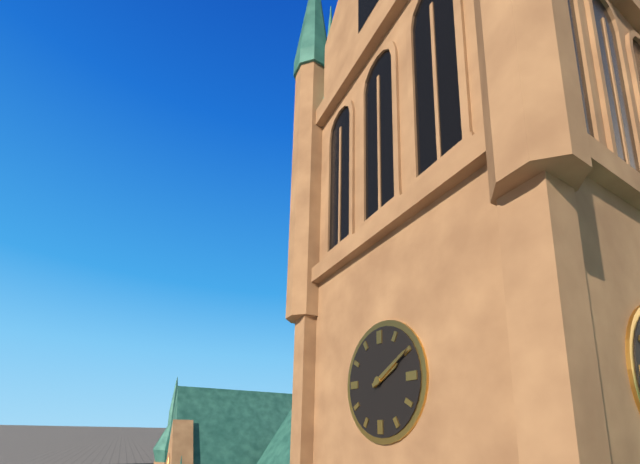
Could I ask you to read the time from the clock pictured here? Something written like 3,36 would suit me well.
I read 2,10
